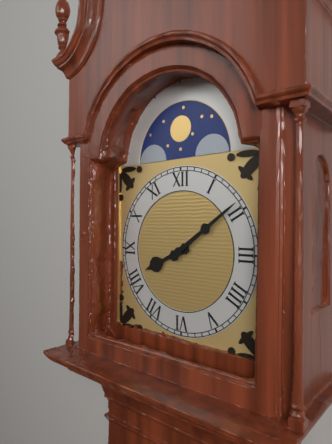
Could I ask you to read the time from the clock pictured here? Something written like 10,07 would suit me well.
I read 8,09
